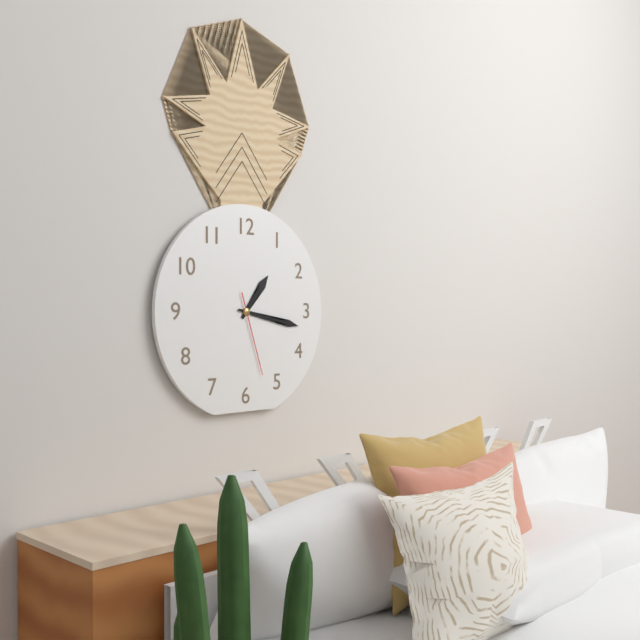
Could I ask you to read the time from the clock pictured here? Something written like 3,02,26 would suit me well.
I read 1,17,27
